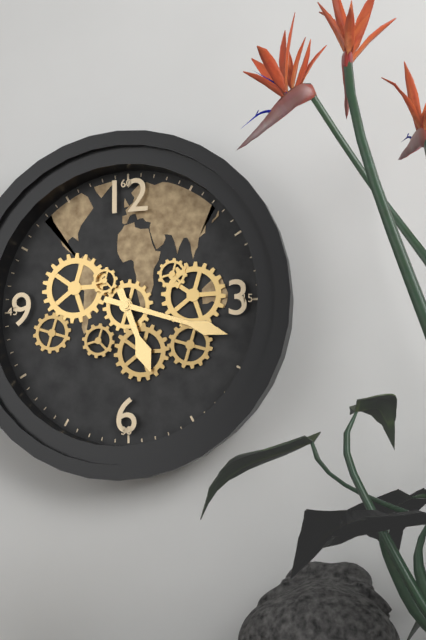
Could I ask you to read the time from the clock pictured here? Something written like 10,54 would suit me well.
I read 5,18
